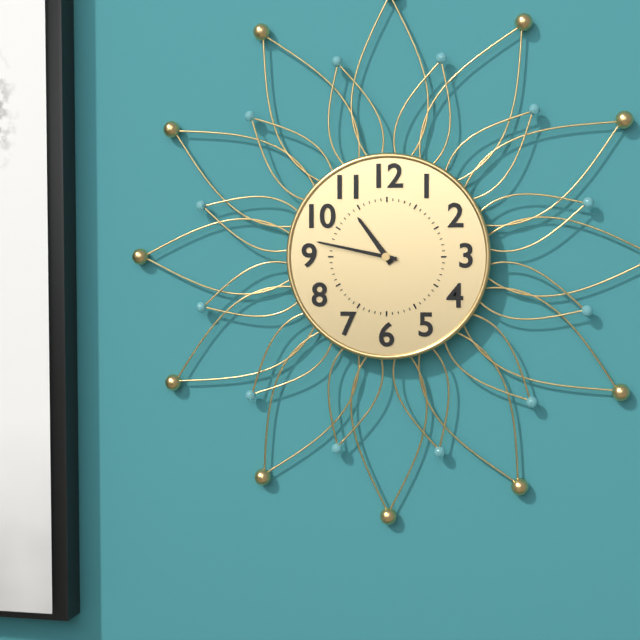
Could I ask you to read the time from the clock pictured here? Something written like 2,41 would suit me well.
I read 10,47
